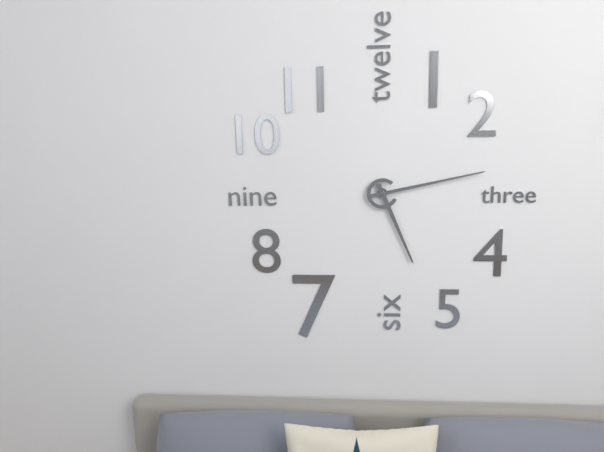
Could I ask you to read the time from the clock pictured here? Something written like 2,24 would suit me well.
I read 5,13
